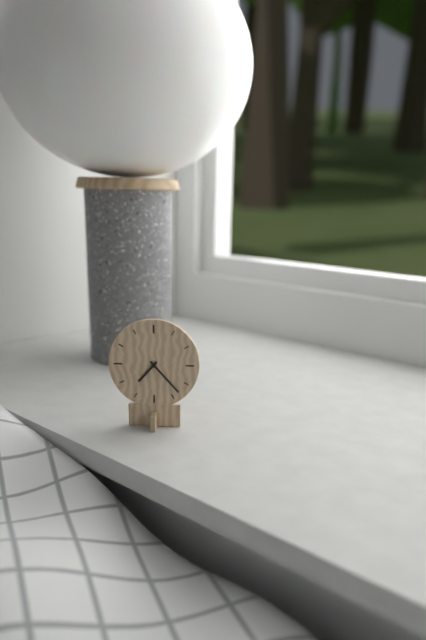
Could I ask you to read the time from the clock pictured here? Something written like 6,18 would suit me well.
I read 7,23
